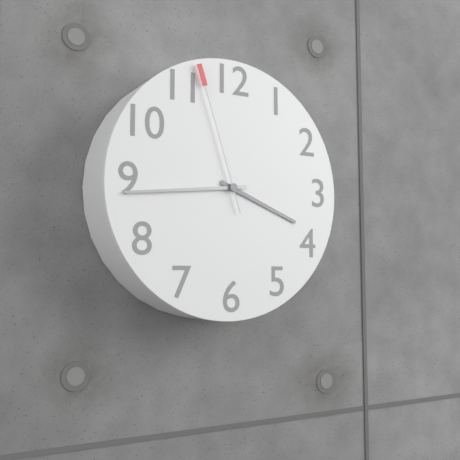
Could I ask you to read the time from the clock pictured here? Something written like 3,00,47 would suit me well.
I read 3,44,57
